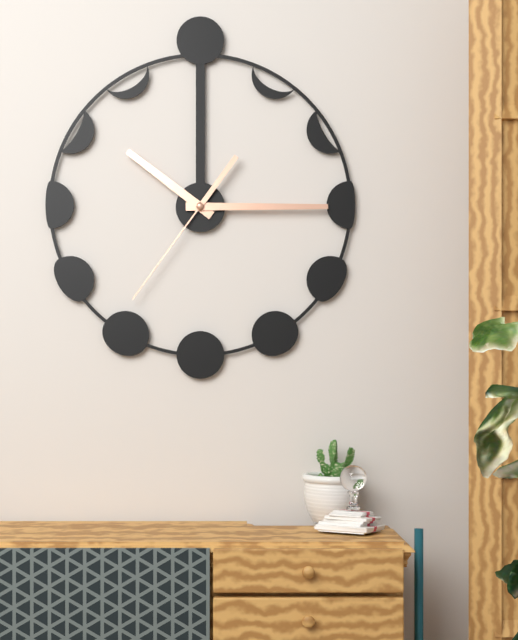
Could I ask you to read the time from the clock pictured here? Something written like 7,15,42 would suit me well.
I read 10,15,36
